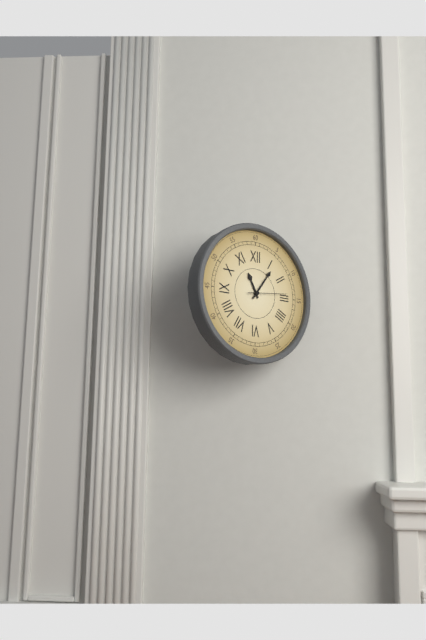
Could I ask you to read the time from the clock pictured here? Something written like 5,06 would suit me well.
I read 11,06
